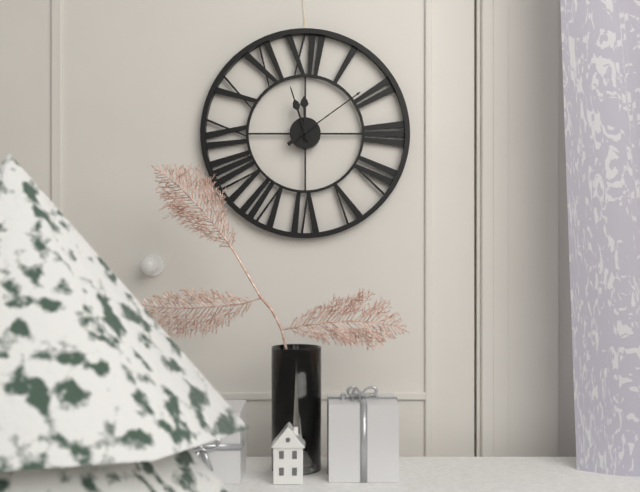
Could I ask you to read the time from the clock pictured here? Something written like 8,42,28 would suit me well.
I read 11,57,09
